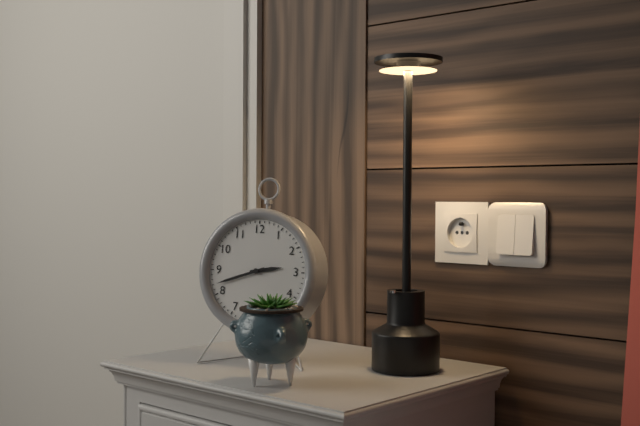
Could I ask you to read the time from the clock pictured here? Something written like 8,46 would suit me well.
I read 2,42
